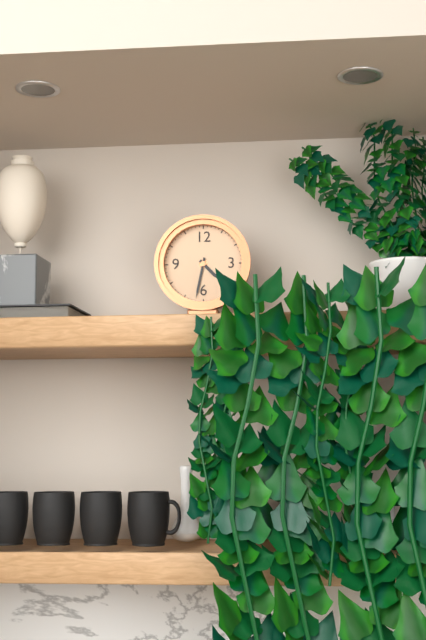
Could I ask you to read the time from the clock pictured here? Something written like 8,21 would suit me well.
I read 4,32
